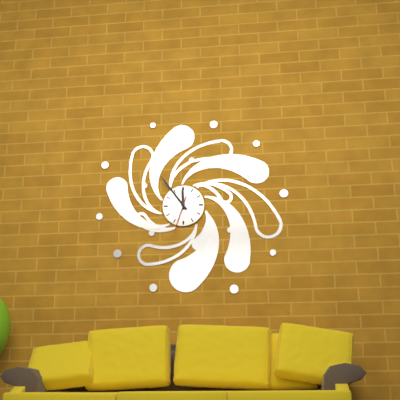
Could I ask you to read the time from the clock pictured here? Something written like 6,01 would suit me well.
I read 11,54
